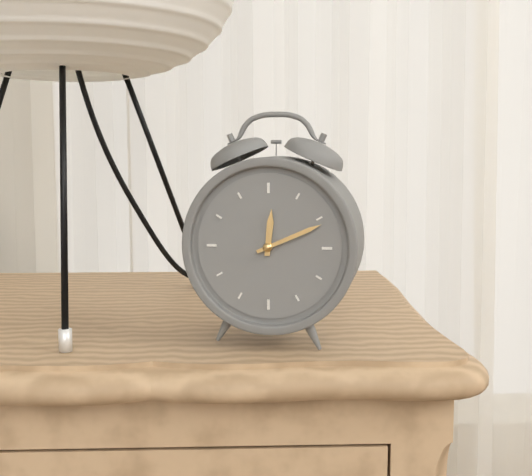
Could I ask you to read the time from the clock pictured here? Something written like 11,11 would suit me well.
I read 12,11
